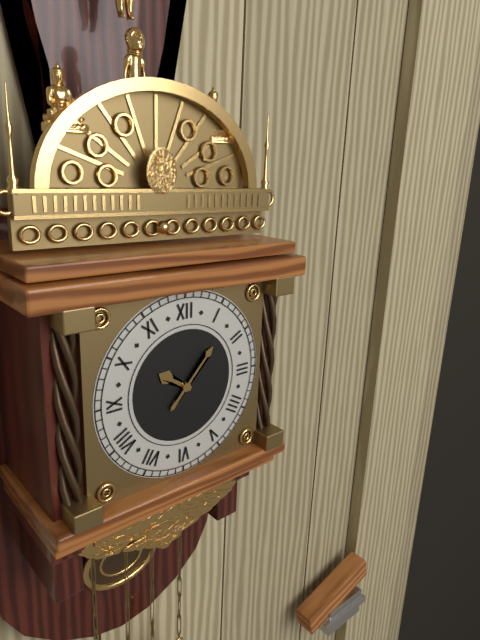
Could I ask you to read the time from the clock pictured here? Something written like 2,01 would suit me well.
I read 10,07
